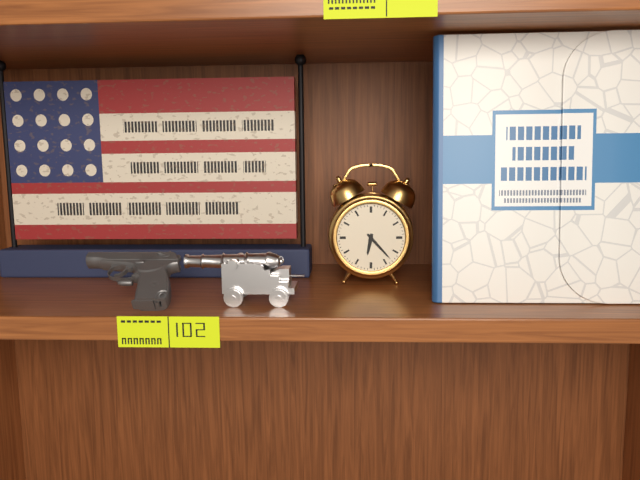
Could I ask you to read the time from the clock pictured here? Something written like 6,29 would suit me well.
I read 6,23
